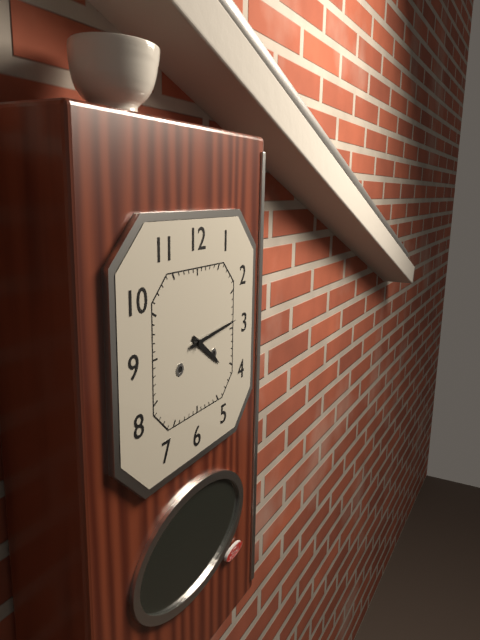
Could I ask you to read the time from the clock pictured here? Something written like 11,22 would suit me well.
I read 4,14
